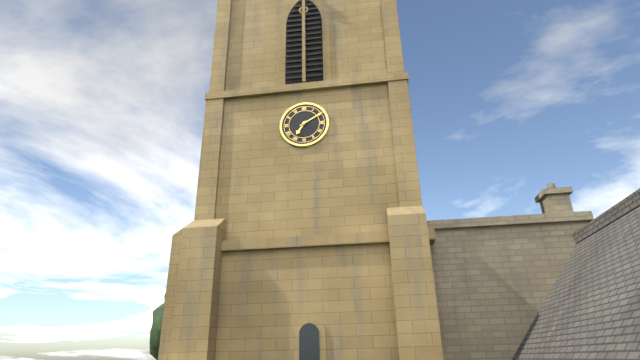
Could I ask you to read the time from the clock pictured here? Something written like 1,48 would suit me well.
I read 7,10
